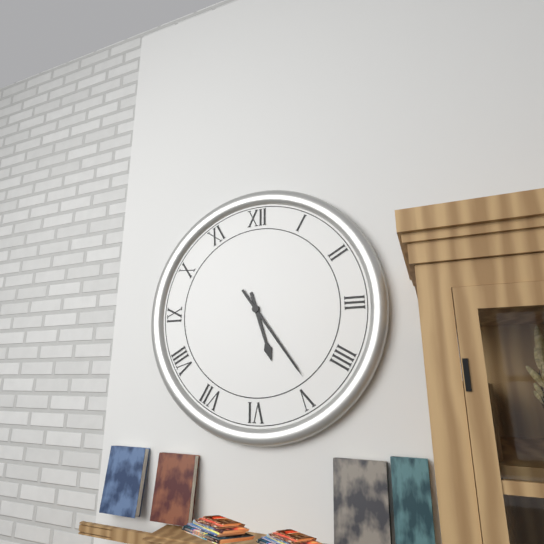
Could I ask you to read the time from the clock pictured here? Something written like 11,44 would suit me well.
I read 5,24
